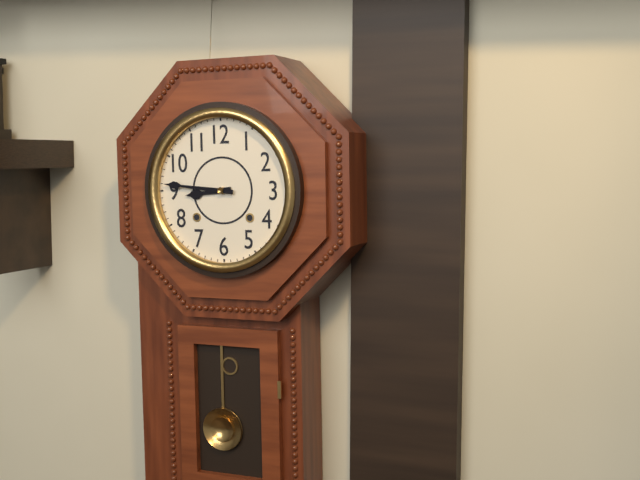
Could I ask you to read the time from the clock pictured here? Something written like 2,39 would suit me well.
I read 8,46
